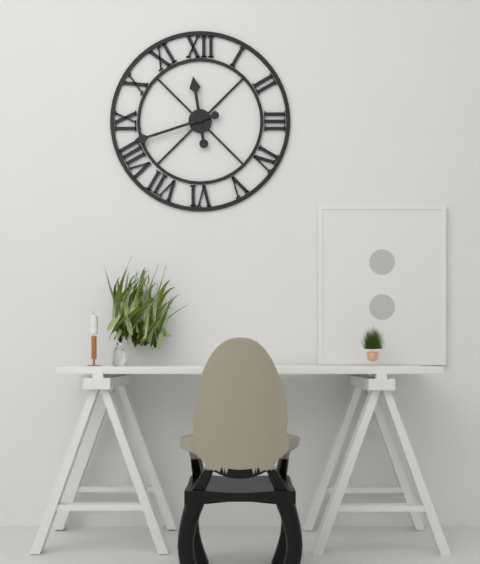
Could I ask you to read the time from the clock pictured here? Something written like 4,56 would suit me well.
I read 11,42
